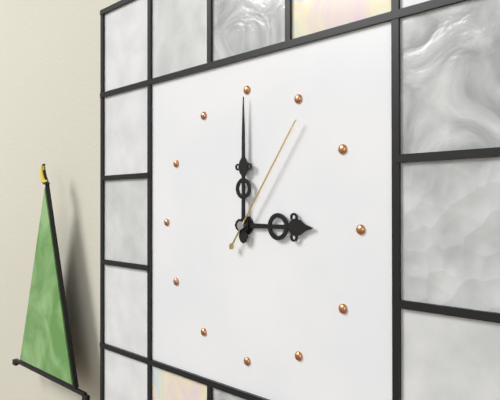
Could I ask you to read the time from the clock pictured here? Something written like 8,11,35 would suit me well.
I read 3,00,06
